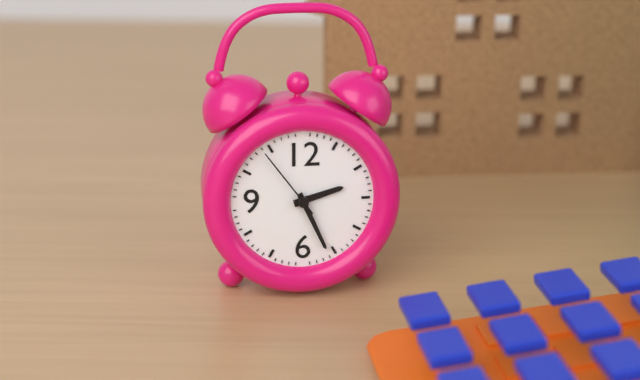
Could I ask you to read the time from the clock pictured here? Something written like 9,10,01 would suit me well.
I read 2,26,54
